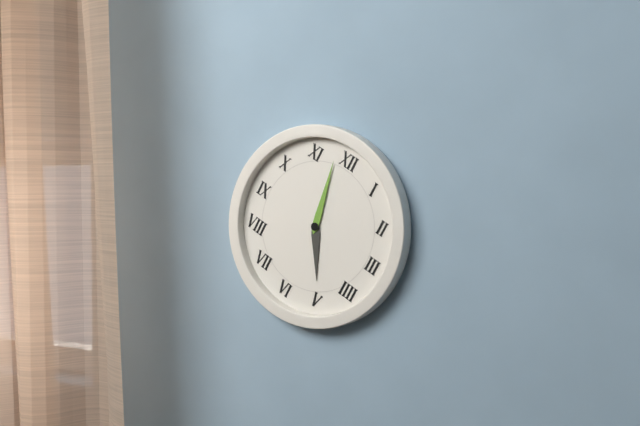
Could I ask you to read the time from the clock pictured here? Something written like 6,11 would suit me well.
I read 4,58
